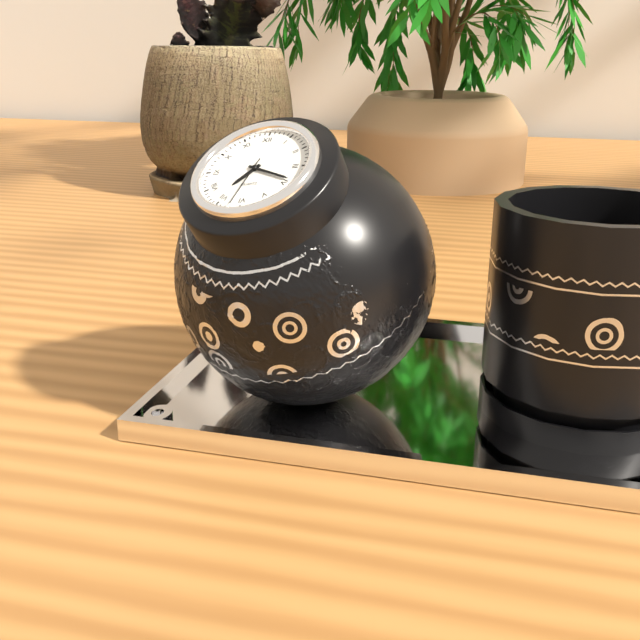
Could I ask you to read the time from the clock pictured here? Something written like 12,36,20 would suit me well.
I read 7,19,32
